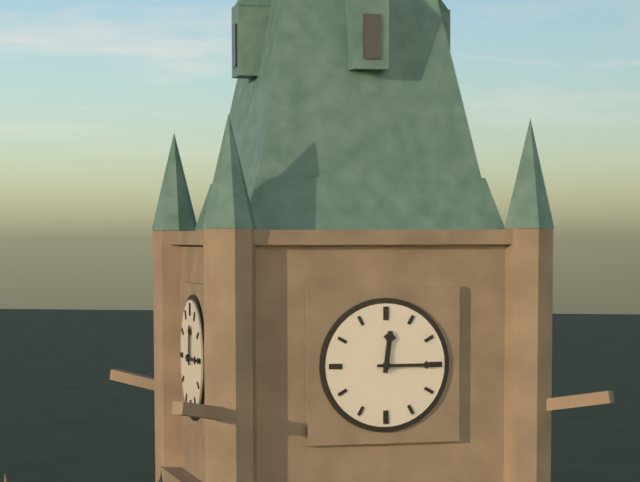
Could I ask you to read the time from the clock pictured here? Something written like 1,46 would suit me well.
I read 12,15
